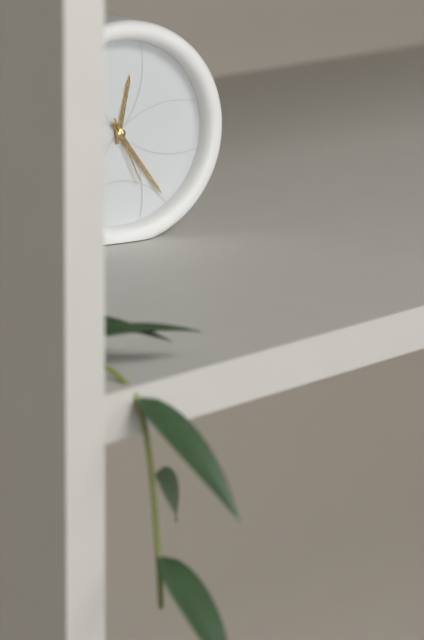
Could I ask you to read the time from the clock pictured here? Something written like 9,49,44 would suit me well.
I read 12,24,26
